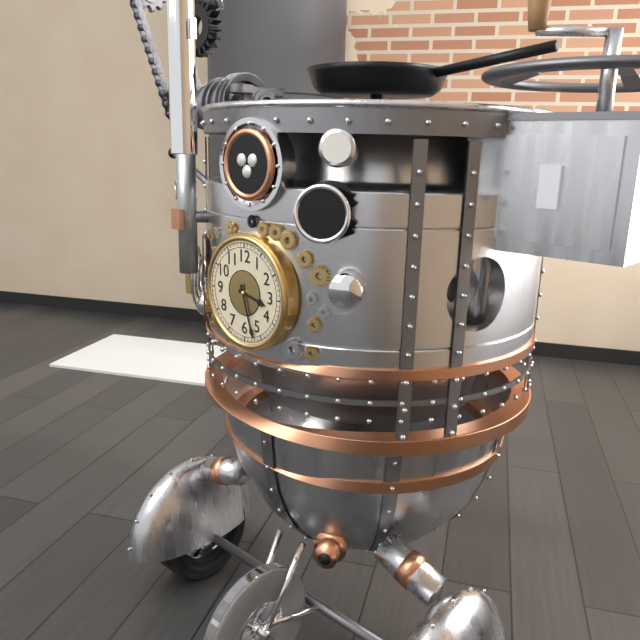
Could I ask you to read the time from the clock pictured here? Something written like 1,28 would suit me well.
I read 3,27
